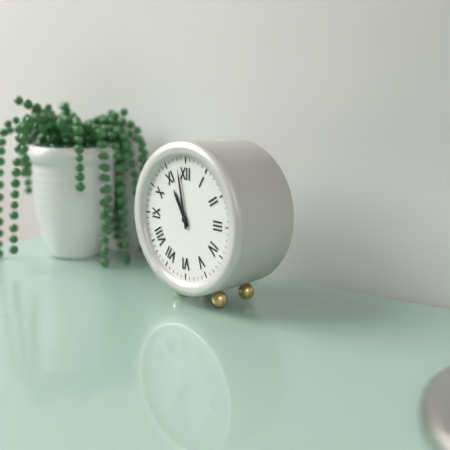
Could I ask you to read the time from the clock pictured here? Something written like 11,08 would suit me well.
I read 10,58
